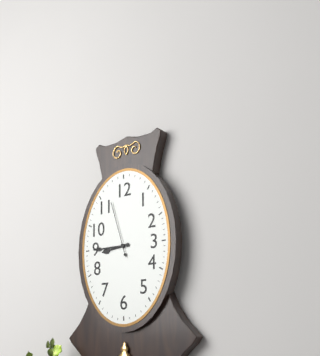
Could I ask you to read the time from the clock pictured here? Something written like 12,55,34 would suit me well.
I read 8,45,57
